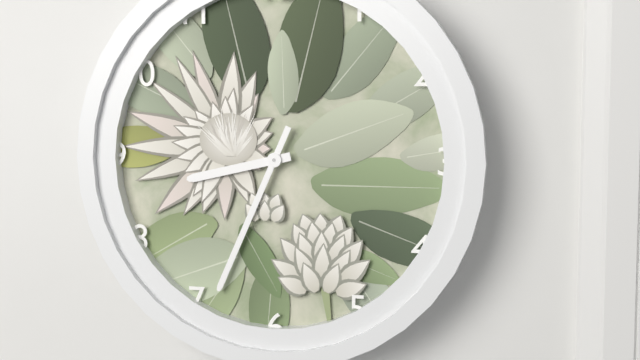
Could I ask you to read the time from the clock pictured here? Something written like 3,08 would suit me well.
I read 8,34
